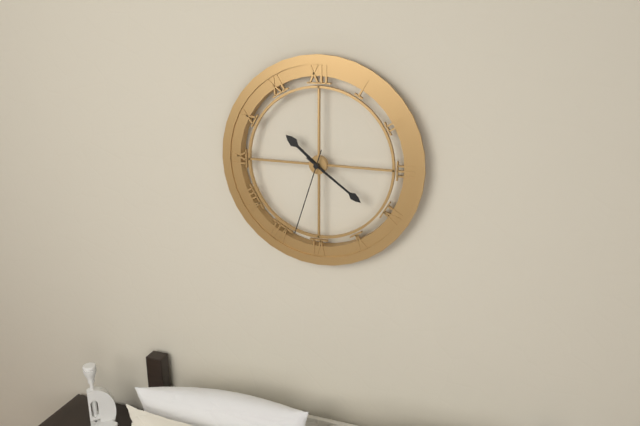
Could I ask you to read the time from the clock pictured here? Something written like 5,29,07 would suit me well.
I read 10,21,33
